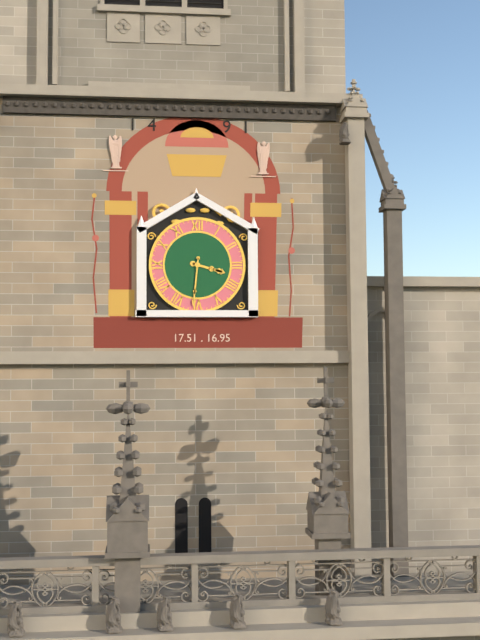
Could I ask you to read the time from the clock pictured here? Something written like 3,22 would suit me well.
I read 3,31
